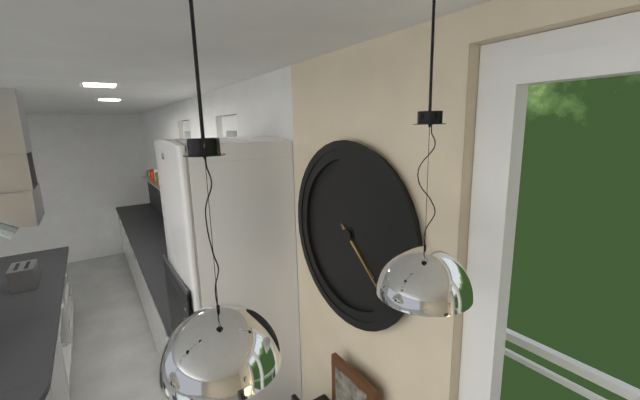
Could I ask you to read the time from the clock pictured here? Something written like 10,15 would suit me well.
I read 4,22
